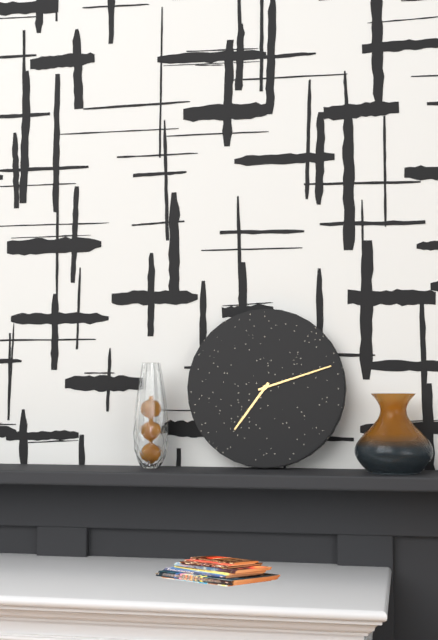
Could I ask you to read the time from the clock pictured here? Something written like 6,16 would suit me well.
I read 7,12
